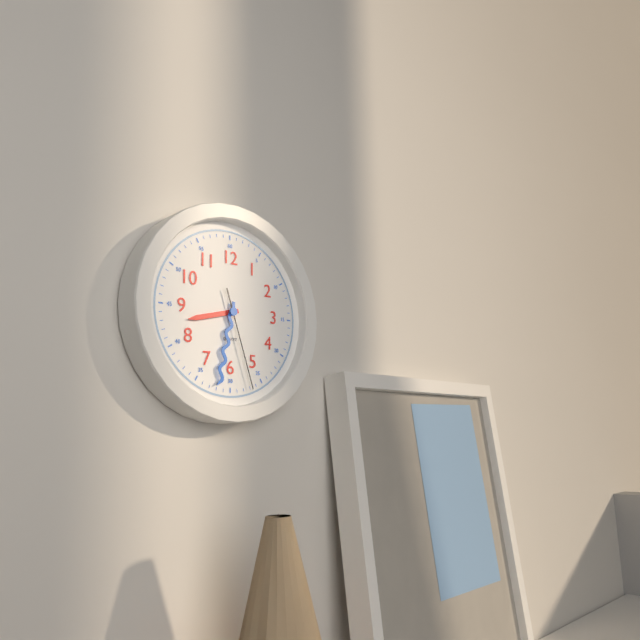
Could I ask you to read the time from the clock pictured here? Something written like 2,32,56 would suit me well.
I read 8,32,27
